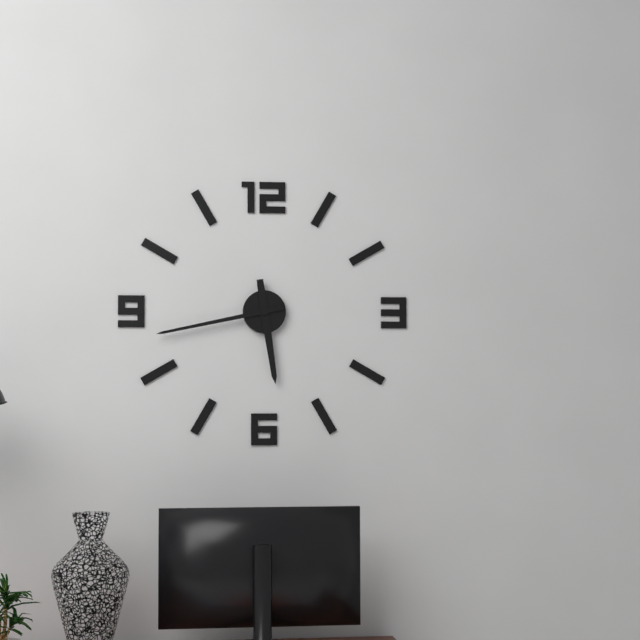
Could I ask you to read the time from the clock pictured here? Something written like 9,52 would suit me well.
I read 5,43
